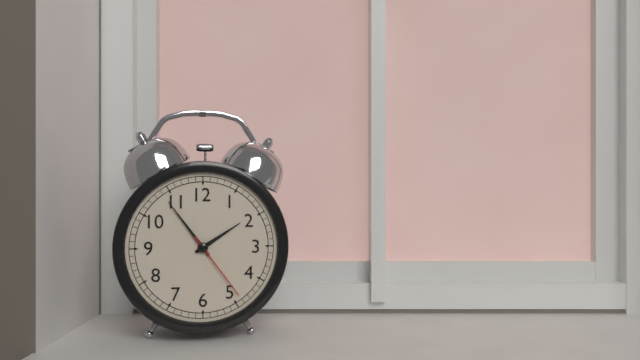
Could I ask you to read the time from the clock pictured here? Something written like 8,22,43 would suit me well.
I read 1,54,24
